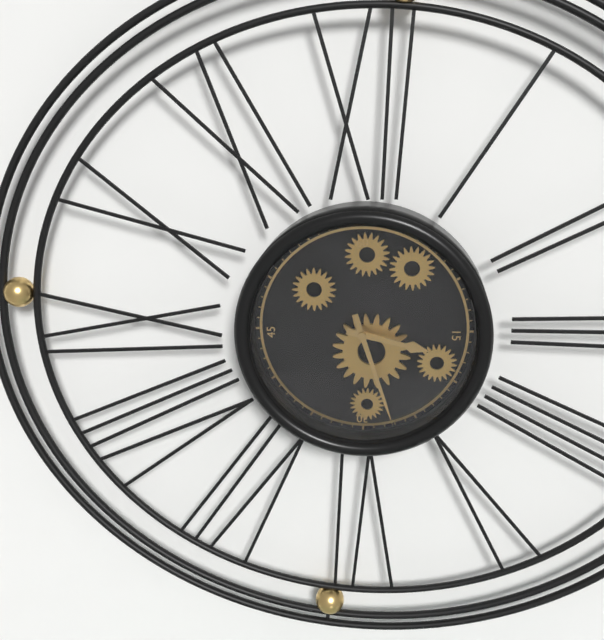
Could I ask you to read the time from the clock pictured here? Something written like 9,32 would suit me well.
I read 3,27
